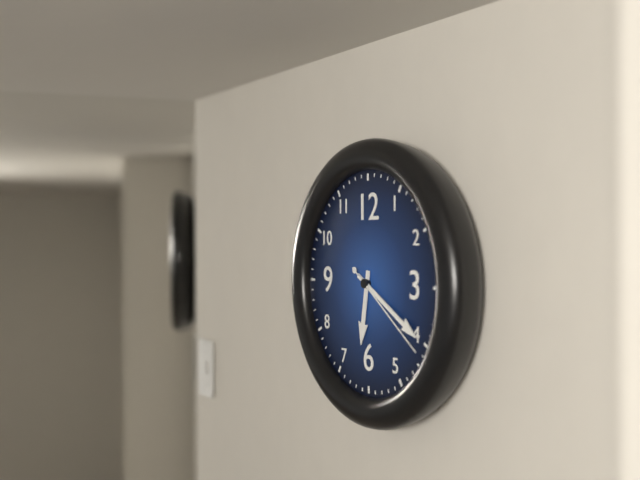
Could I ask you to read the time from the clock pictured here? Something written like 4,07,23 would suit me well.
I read 6,20,21
